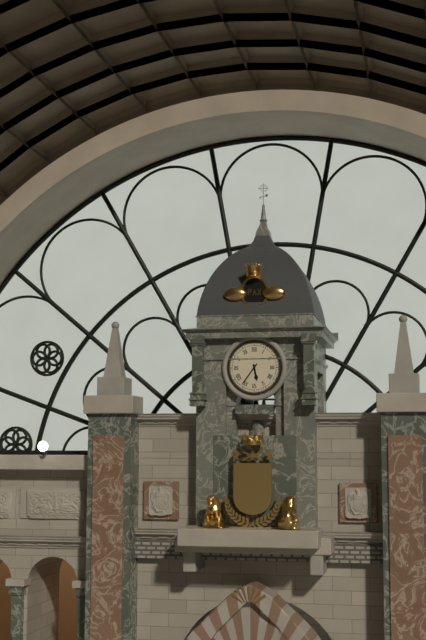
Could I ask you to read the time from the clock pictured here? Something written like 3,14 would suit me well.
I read 5,36
